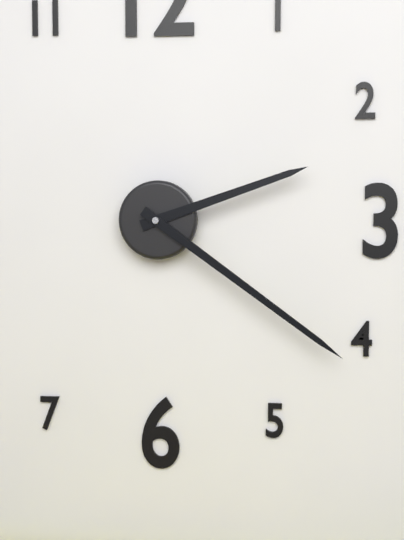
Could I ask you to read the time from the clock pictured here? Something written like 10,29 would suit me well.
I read 2,21
